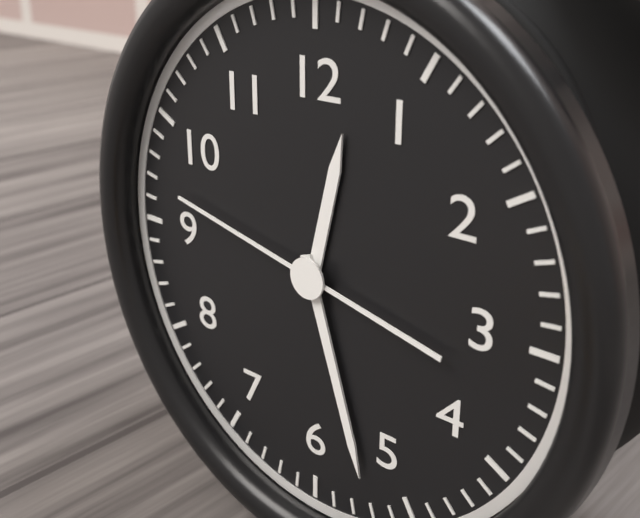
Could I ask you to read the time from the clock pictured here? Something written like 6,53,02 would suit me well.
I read 12,27,47
